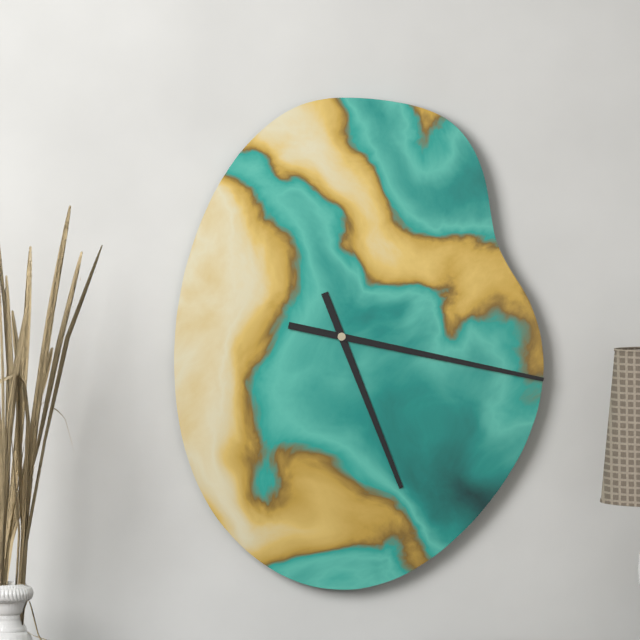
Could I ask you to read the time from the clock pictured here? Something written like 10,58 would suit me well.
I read 5,17
